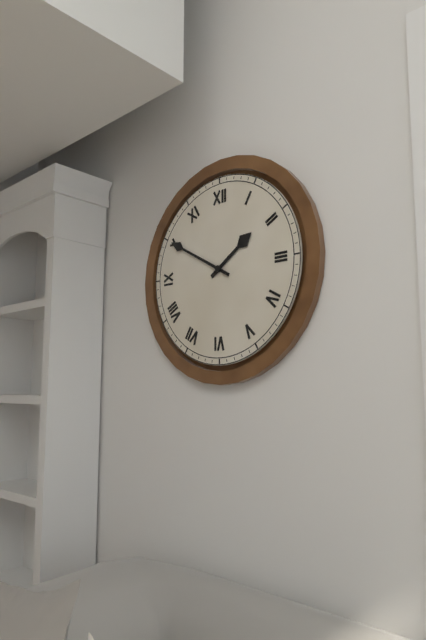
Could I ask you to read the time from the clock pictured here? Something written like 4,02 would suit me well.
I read 1,50
